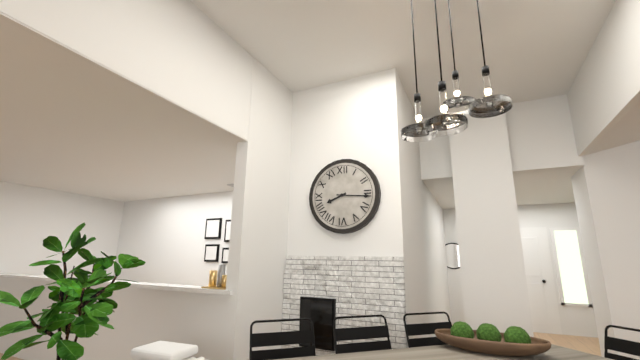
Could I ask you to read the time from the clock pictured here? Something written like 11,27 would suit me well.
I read 8,16
